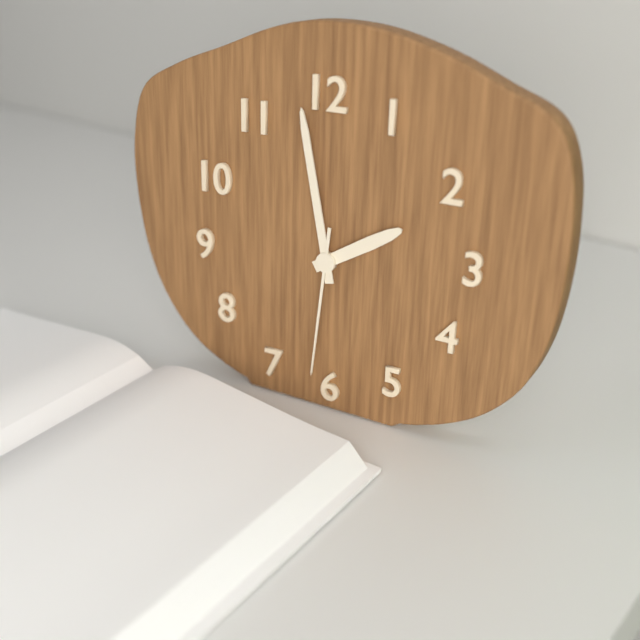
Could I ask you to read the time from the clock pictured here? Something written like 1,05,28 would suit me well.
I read 1,58,31
